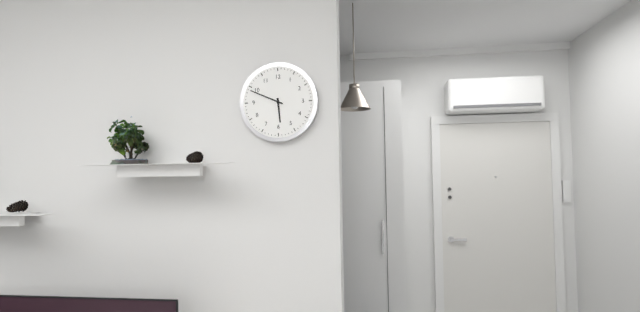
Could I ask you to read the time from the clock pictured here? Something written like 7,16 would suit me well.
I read 5,49
